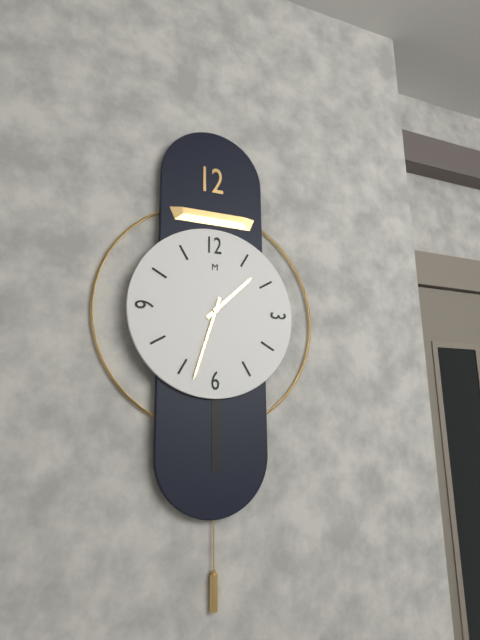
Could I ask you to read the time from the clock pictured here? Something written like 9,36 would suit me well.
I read 1,33
